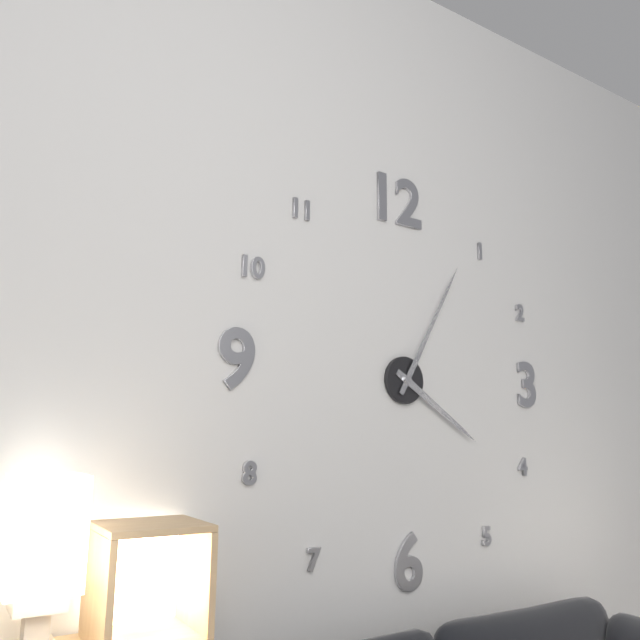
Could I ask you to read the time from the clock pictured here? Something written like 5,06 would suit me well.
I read 4,05
